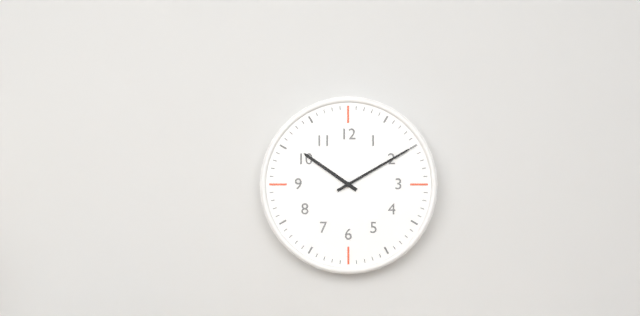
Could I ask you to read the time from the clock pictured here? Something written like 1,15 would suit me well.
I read 10,10
